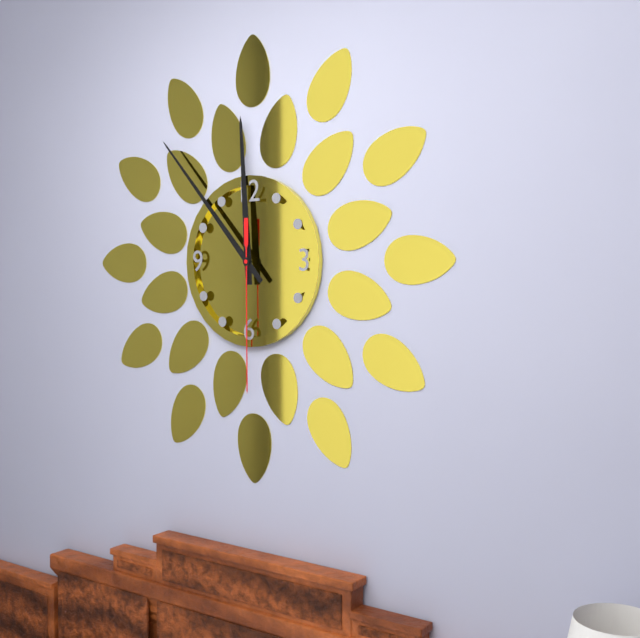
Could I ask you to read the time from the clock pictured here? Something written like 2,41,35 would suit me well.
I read 11,53,30
